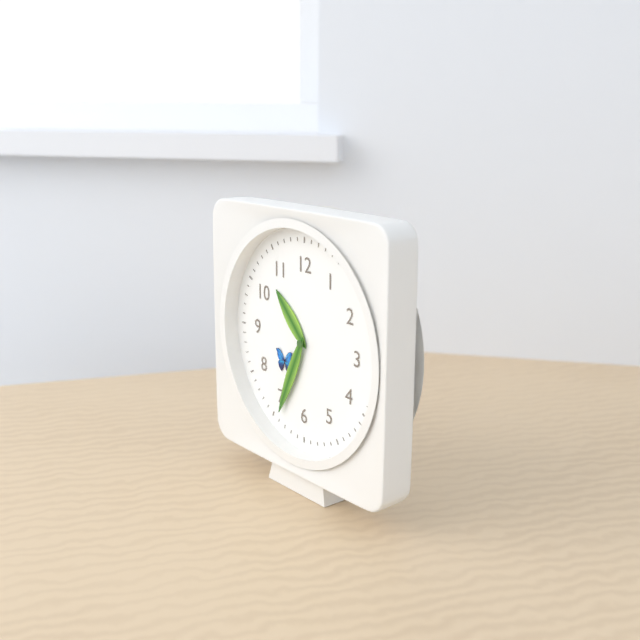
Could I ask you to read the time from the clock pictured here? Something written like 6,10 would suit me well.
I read 10,34
